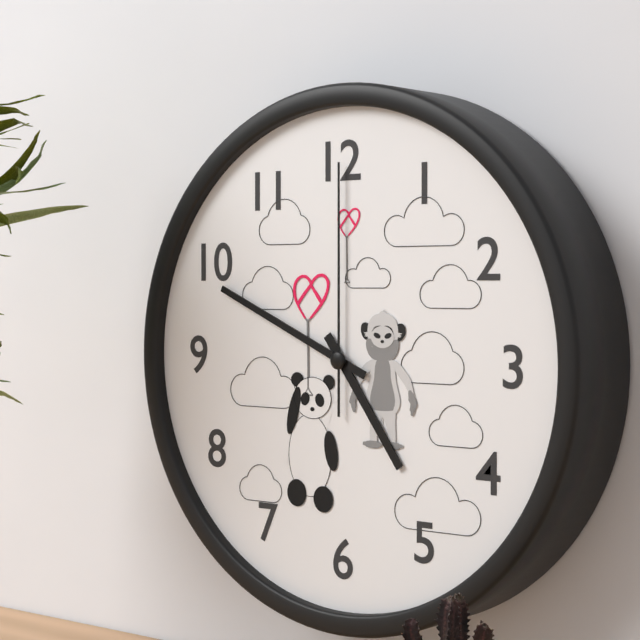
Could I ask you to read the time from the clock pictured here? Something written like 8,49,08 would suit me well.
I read 4,49,00
